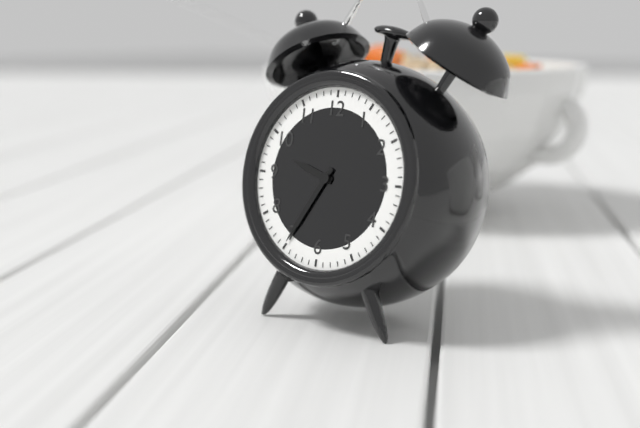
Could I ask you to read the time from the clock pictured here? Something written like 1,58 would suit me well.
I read 9,35
